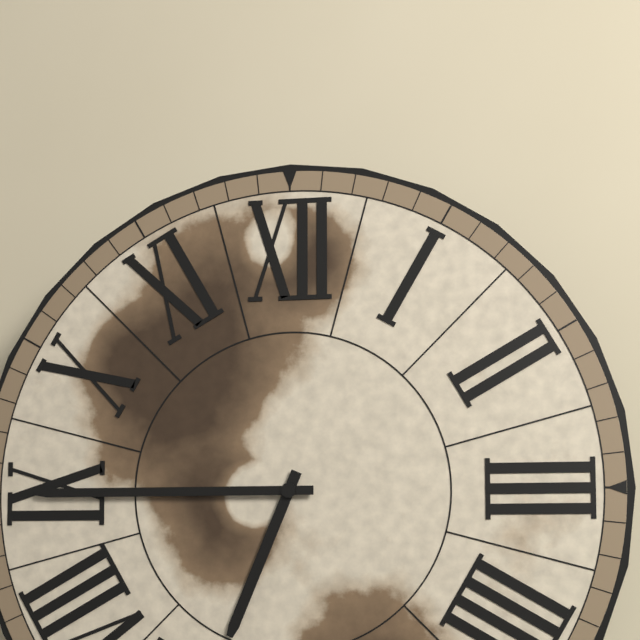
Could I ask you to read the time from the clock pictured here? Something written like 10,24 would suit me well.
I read 6,45
